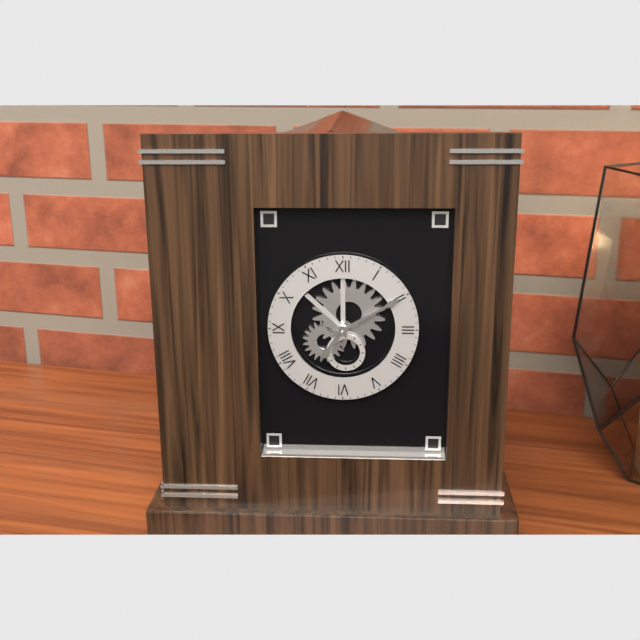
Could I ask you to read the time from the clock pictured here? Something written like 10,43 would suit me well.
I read 7,10
